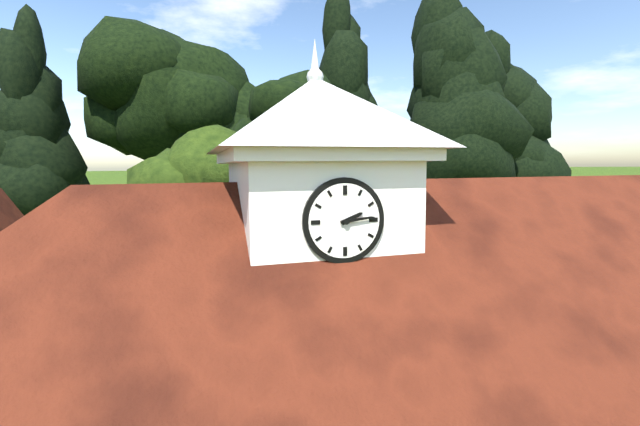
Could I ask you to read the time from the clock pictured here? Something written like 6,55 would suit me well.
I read 2,14
